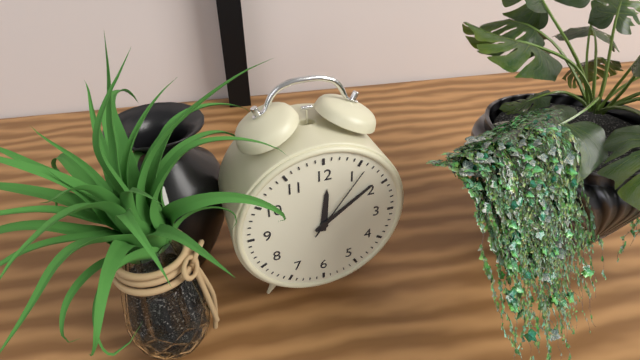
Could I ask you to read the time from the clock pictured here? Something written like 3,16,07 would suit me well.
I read 12,09,06
